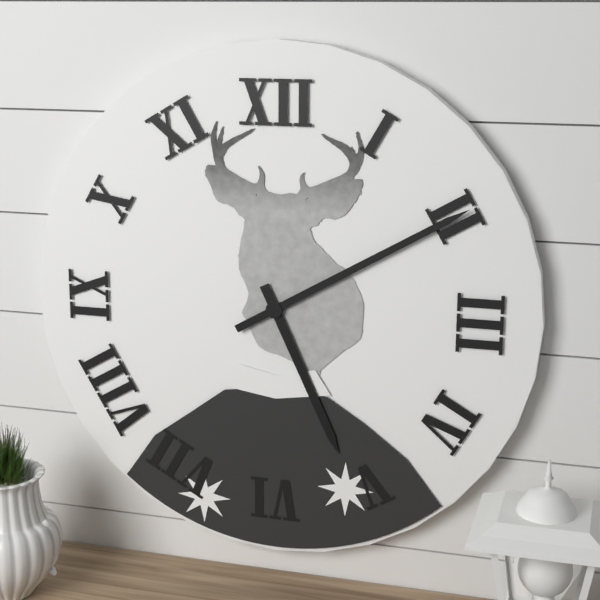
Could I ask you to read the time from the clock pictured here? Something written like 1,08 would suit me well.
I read 5,10
